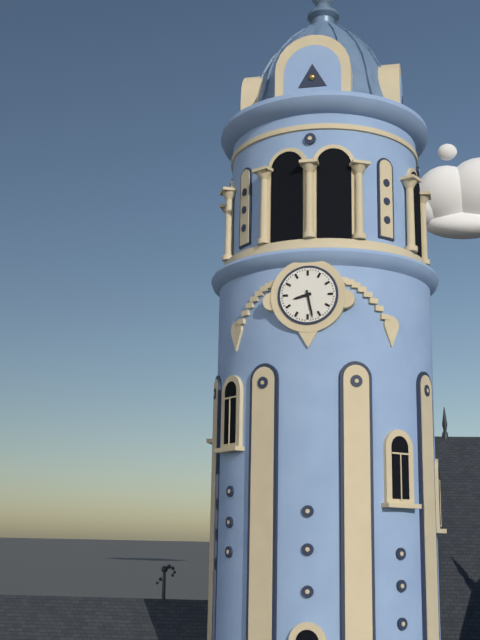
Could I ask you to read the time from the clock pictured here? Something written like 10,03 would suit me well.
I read 8,28
